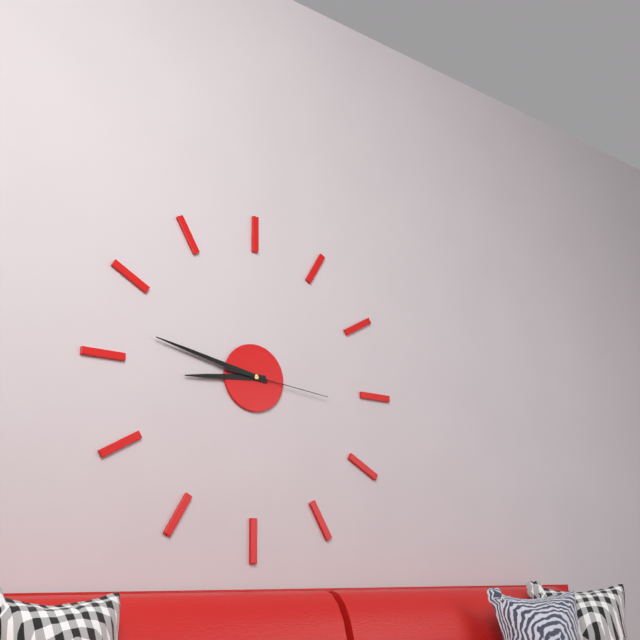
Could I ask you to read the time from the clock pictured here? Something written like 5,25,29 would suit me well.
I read 8,47,16
